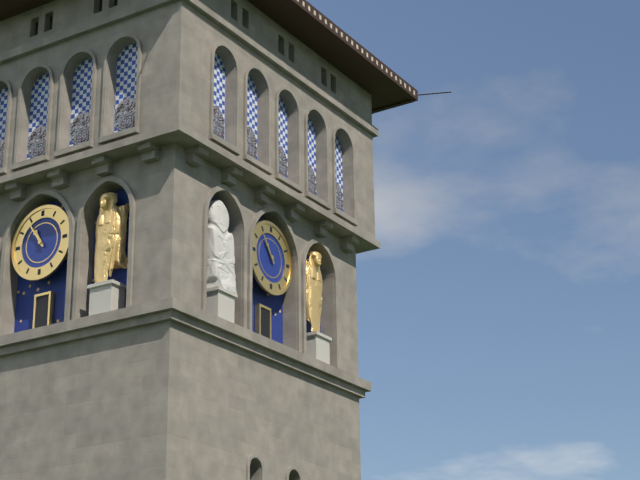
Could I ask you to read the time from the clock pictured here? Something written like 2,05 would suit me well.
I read 10,54
